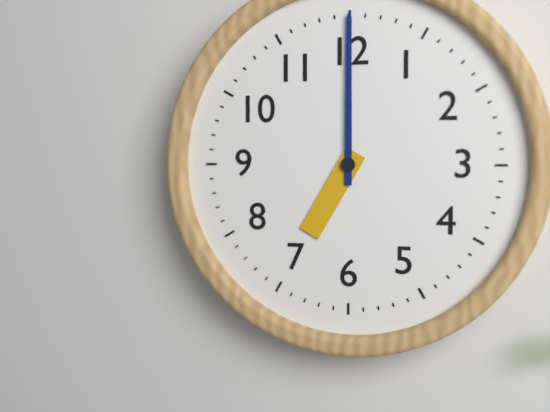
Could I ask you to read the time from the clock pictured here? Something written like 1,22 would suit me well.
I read 7,00
